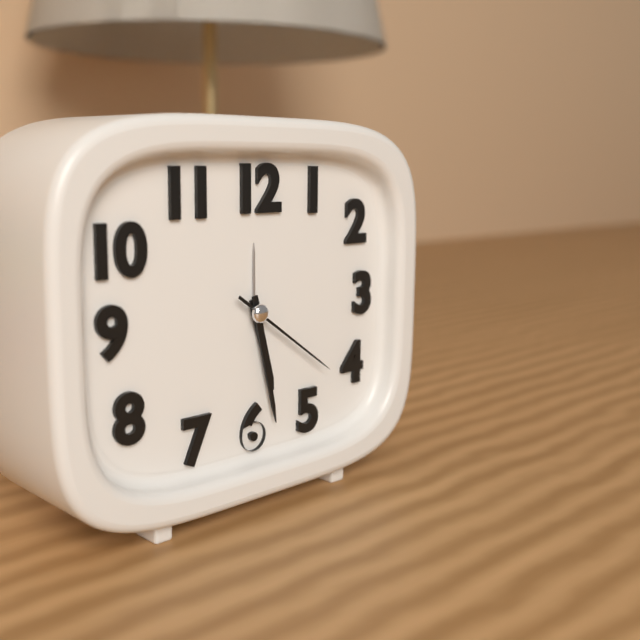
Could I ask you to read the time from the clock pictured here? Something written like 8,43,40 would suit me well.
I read 5,28,21
